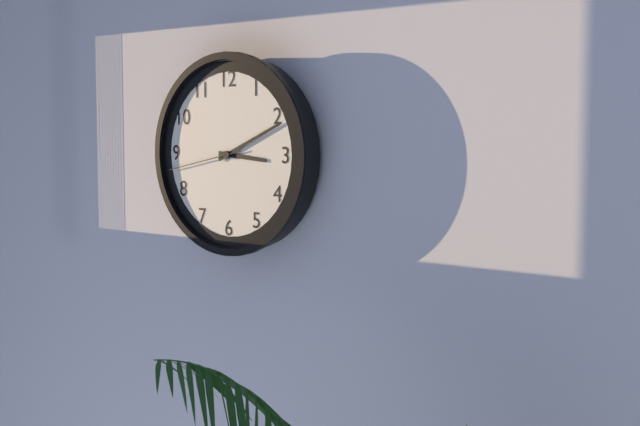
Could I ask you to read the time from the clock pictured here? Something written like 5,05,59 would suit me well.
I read 3,11,43
